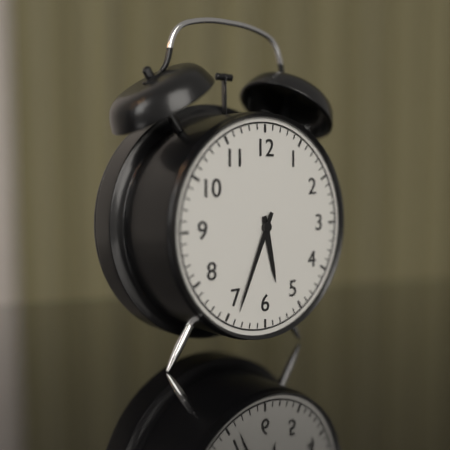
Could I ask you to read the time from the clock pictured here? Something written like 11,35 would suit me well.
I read 5,34
